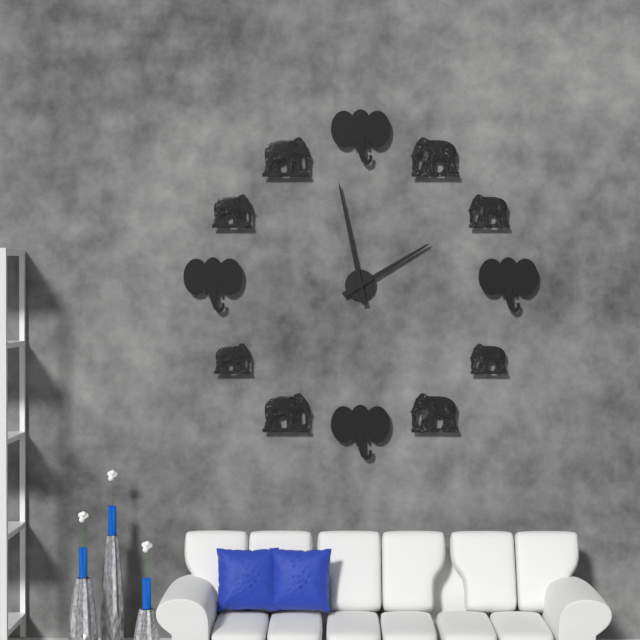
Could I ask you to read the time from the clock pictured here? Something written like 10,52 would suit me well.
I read 1,58
